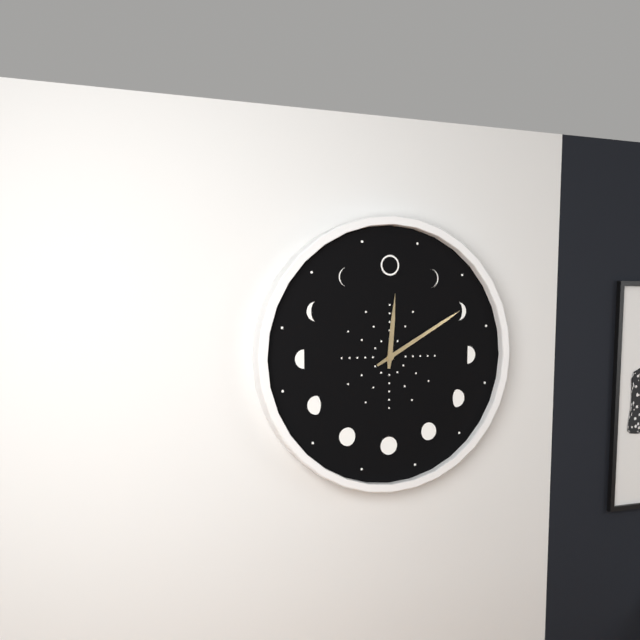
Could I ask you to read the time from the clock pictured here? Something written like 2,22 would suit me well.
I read 12,10
